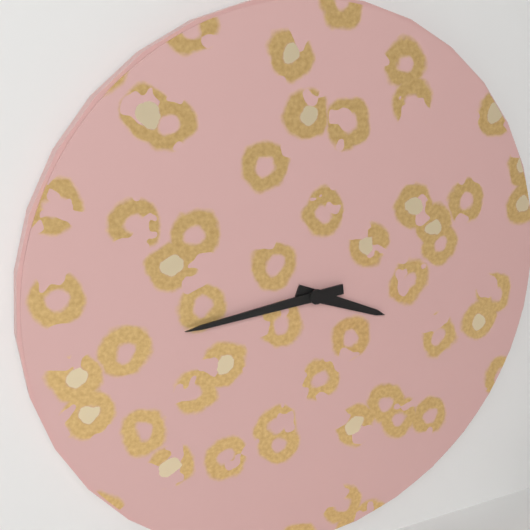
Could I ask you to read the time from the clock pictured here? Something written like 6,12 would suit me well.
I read 3,44
